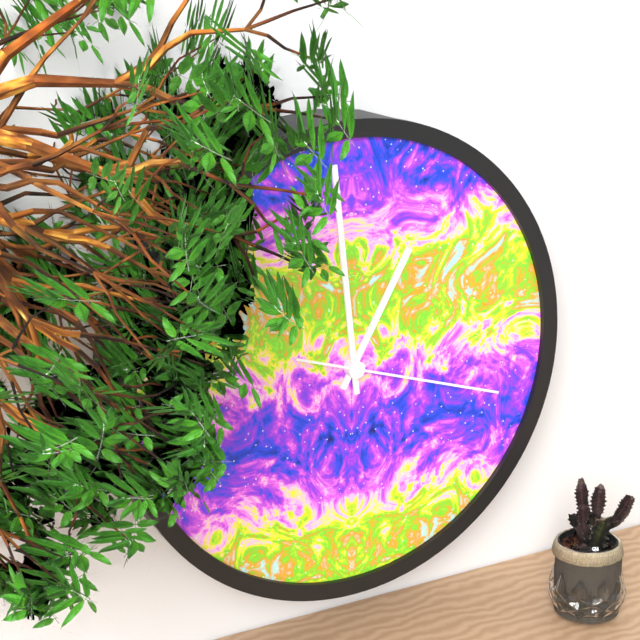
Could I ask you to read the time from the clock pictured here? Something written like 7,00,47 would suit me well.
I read 12,59,18
